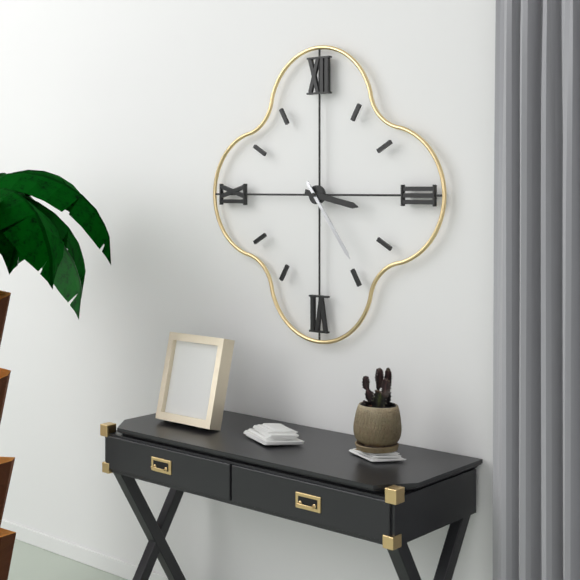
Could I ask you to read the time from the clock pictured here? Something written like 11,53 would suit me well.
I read 3,24
